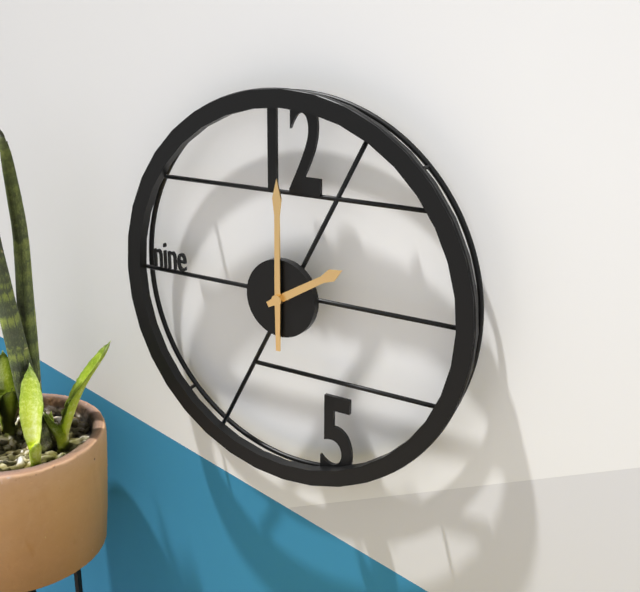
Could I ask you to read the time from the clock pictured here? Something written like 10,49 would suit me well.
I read 2,00
